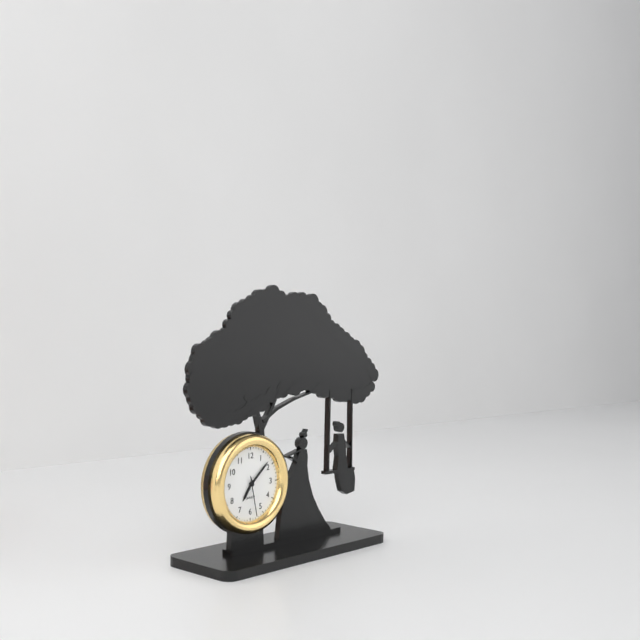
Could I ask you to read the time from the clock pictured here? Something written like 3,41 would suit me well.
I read 7,08
